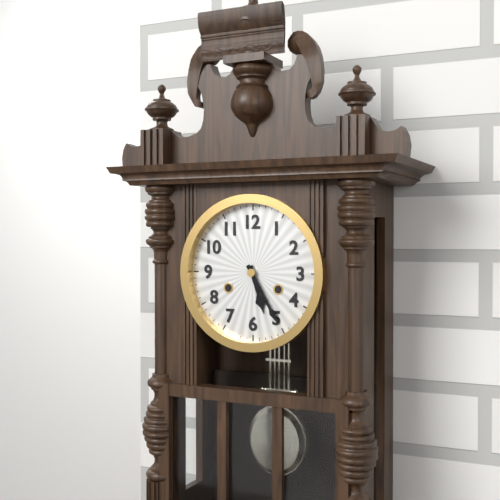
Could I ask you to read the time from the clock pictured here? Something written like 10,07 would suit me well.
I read 5,25
